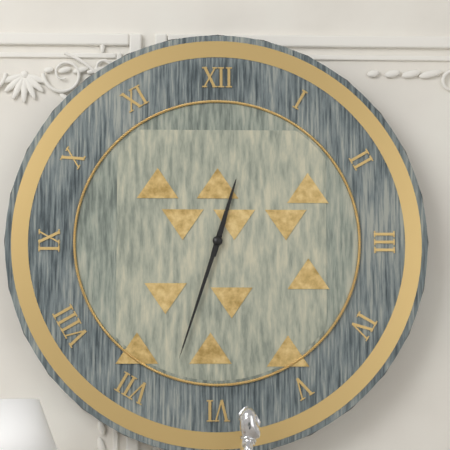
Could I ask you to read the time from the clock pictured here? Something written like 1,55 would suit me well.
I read 12,33
